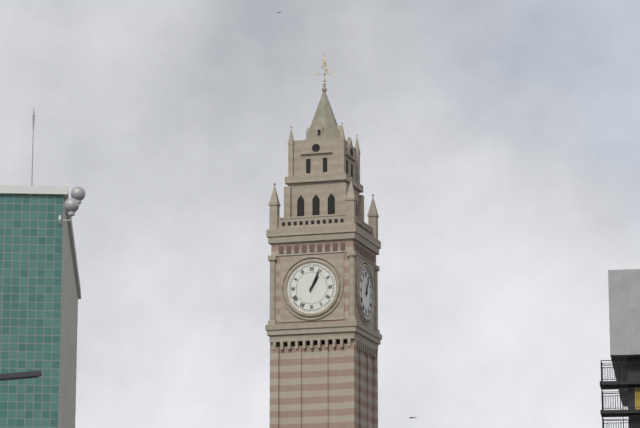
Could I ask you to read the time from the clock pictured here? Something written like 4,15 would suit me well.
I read 1,04
